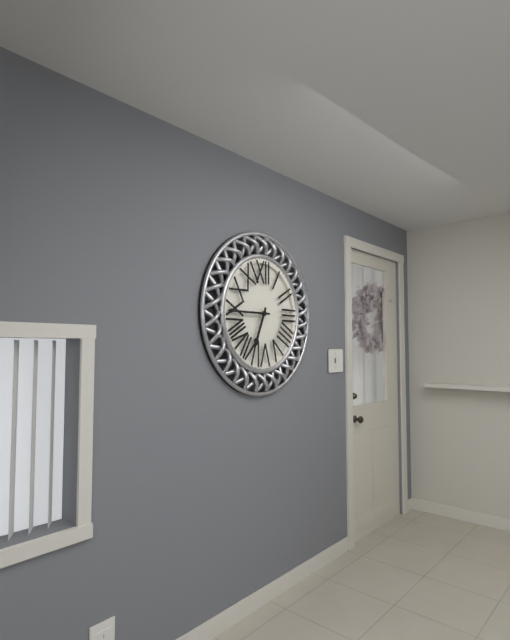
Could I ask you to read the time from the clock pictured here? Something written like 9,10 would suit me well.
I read 6,45
